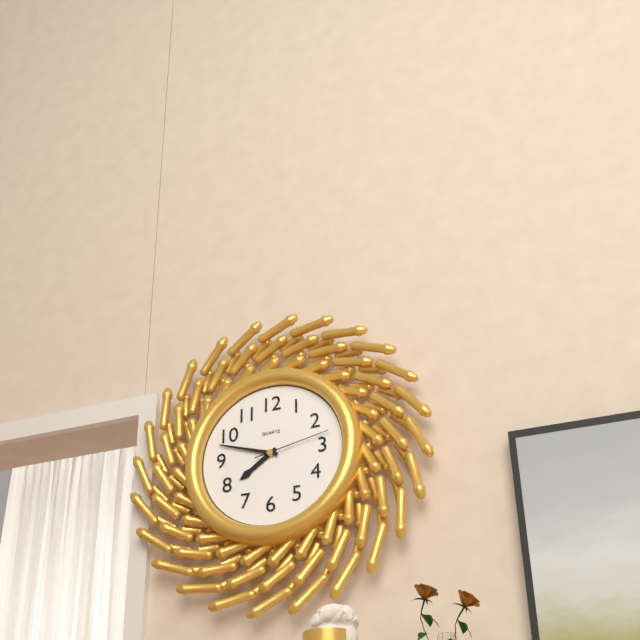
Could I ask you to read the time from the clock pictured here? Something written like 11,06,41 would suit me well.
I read 7,48,13
